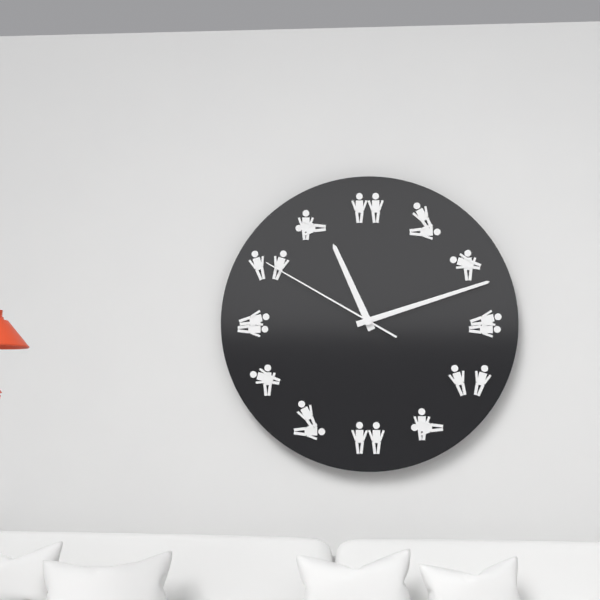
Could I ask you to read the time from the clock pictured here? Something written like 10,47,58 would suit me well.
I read 11,12,50
